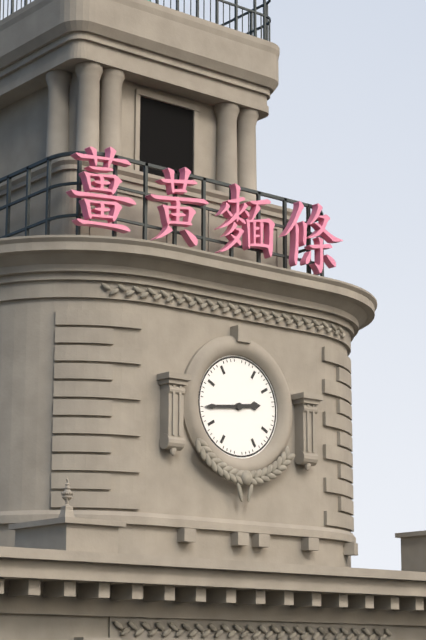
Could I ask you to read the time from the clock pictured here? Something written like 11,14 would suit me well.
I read 2,44
